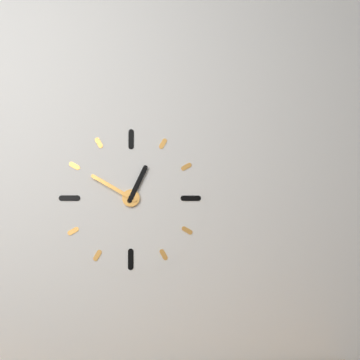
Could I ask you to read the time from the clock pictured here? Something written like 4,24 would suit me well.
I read 12,50
